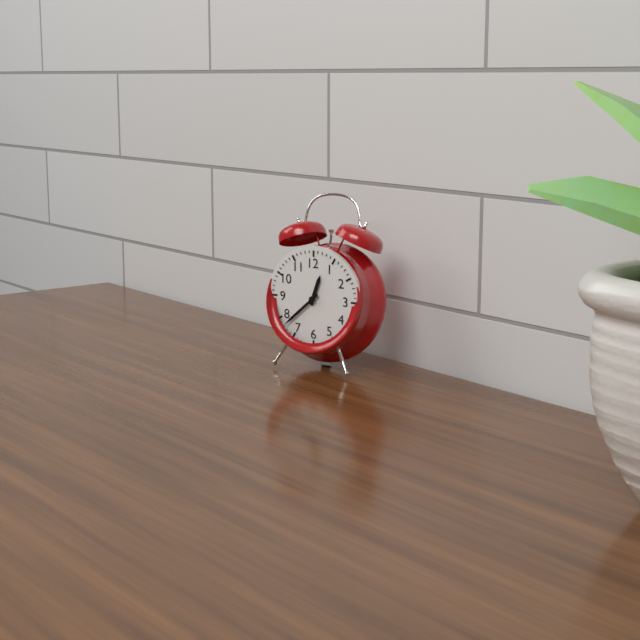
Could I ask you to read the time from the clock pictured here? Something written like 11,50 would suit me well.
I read 12,38
